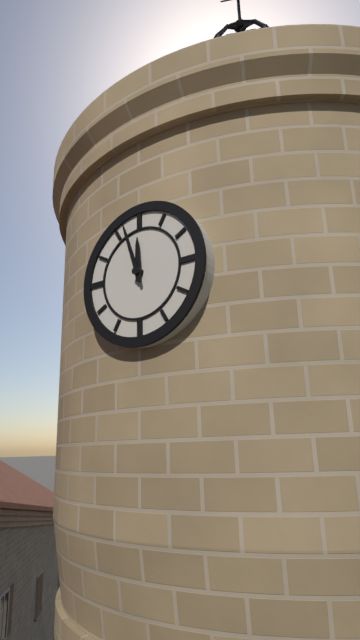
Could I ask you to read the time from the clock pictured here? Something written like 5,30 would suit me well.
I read 11,57
